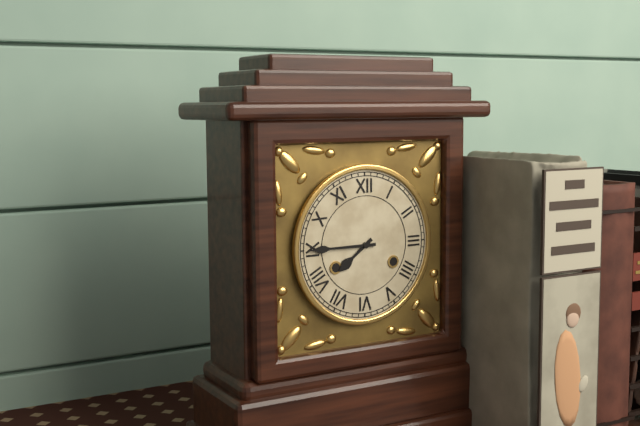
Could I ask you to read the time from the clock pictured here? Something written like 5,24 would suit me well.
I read 7,45
